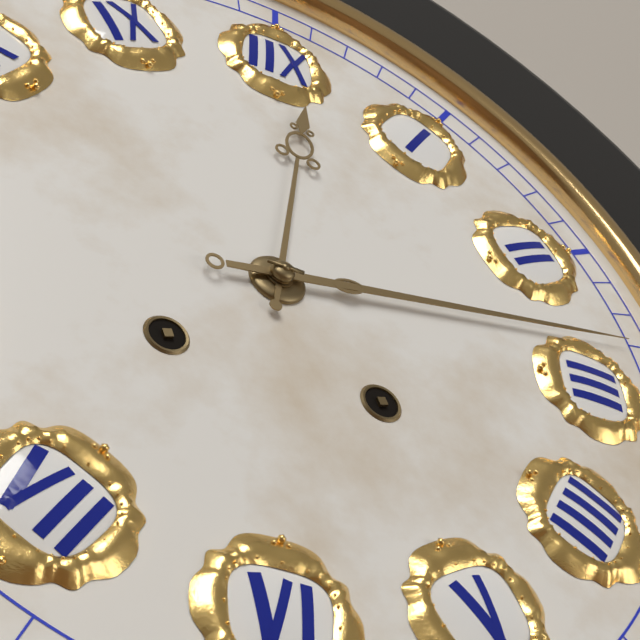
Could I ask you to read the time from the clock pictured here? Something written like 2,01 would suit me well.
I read 12,13
